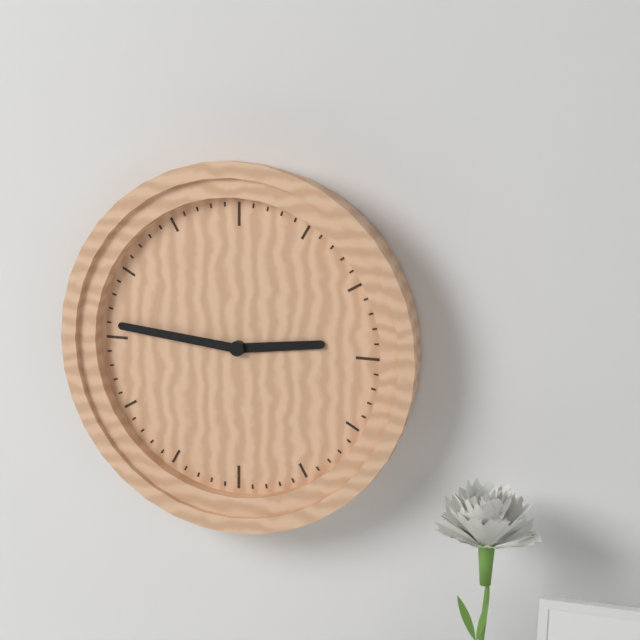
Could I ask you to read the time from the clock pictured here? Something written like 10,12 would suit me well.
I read 2,46
